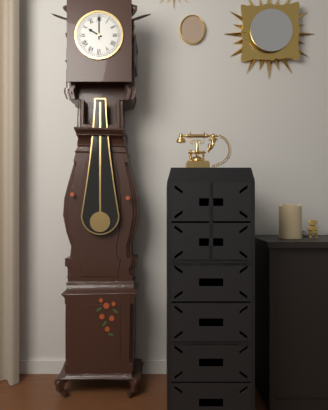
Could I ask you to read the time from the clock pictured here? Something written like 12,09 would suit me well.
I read 10,00
